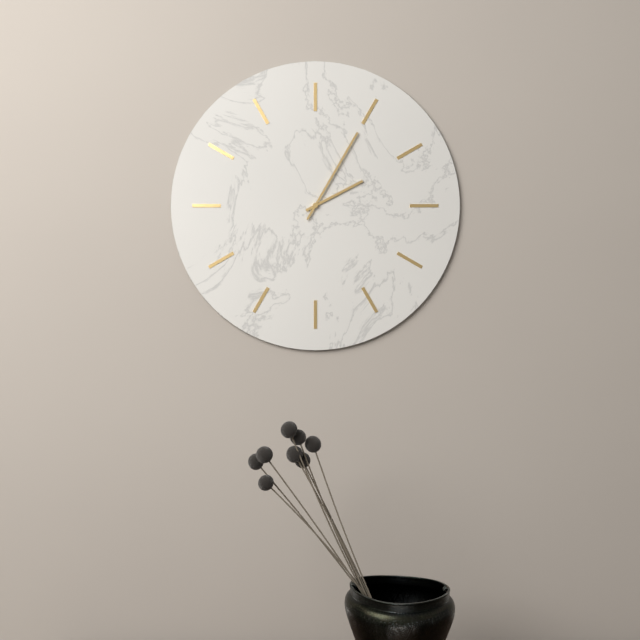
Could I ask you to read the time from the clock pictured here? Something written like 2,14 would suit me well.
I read 2,05
